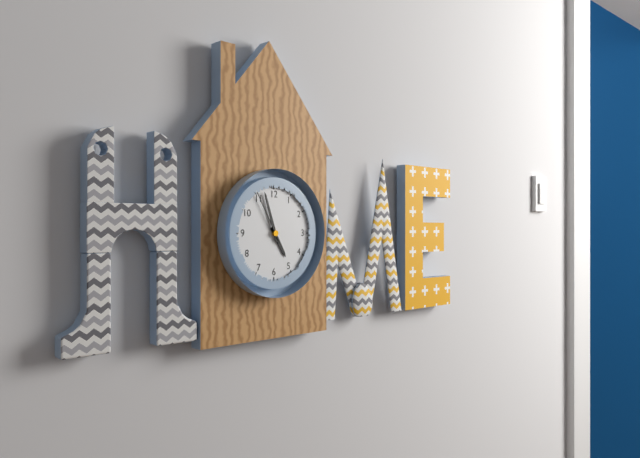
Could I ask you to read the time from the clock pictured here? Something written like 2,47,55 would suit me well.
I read 4,57,55
